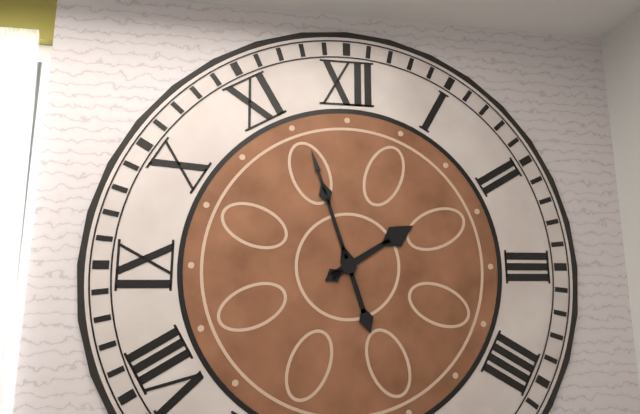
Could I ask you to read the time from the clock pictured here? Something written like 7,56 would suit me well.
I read 1,57
